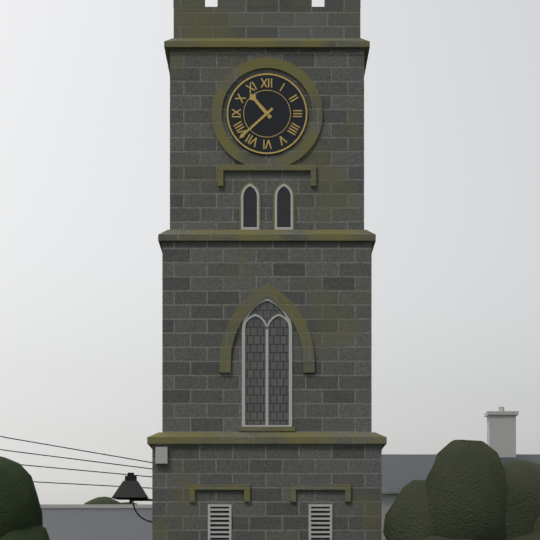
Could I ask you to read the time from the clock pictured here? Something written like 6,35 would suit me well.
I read 10,38
